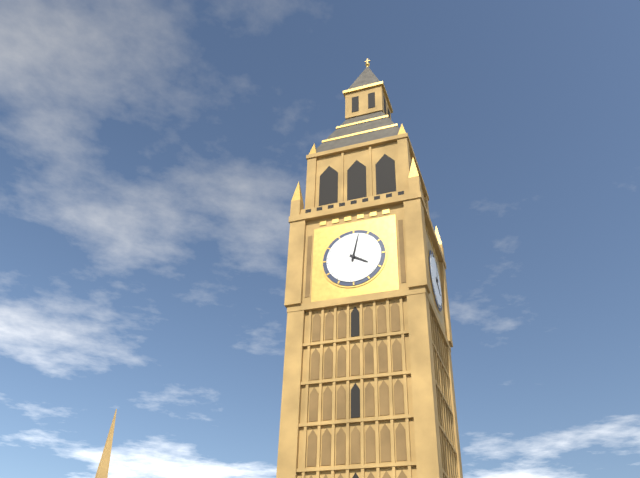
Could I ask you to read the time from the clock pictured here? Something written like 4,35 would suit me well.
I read 4,02
